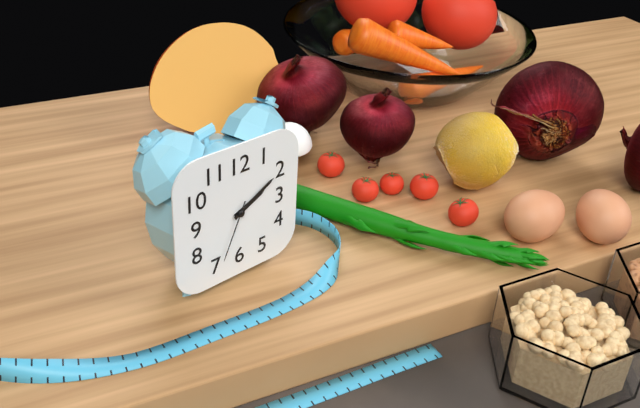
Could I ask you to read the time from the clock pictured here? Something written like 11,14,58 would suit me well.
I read 2,10,34
